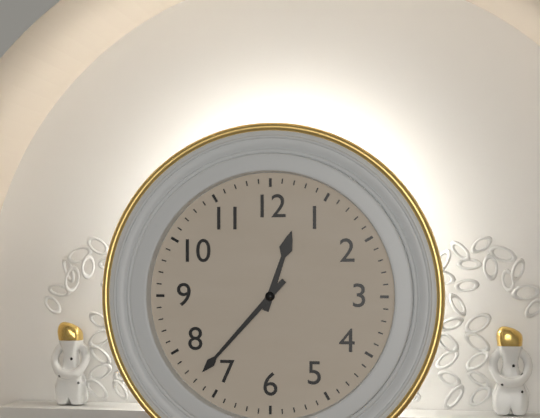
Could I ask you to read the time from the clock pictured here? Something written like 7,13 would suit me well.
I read 12,37
